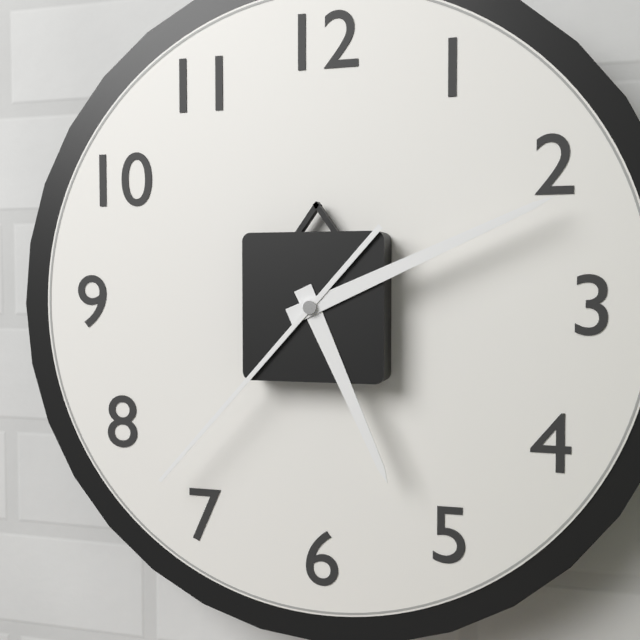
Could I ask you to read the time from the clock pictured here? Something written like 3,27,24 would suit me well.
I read 5,11,37
